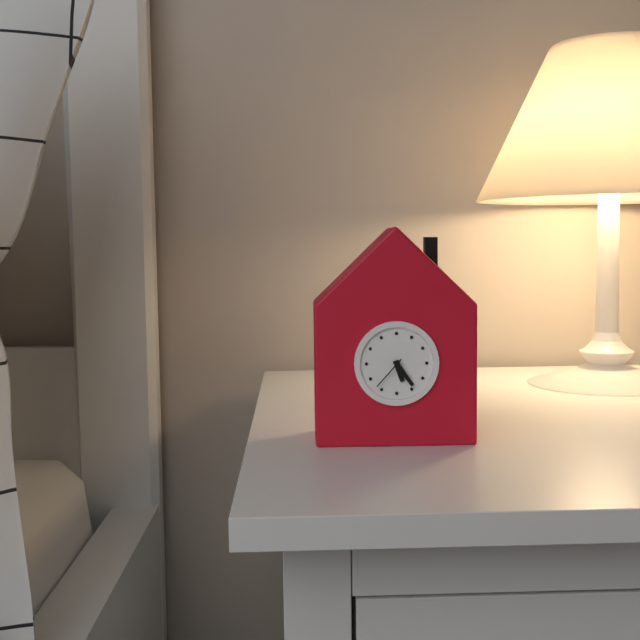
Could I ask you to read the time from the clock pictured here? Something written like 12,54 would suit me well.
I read 5,24
